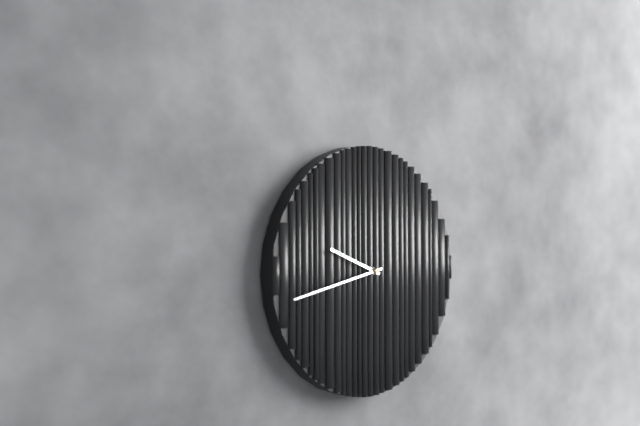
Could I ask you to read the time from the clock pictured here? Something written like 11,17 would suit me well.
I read 9,43
